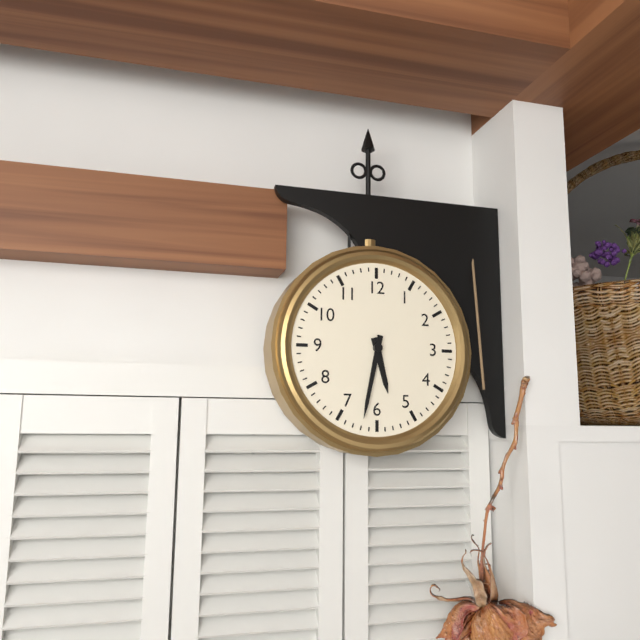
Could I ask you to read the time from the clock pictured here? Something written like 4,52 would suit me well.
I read 5,32
